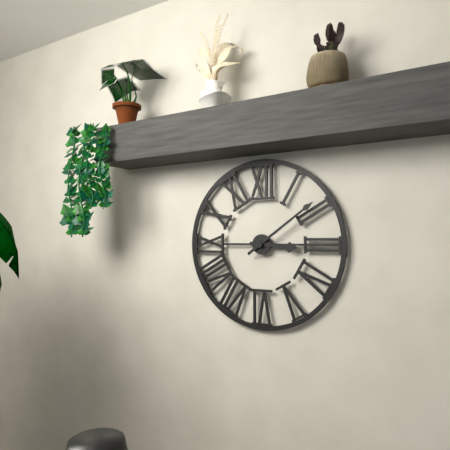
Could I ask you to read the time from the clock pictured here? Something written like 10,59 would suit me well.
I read 3,09
